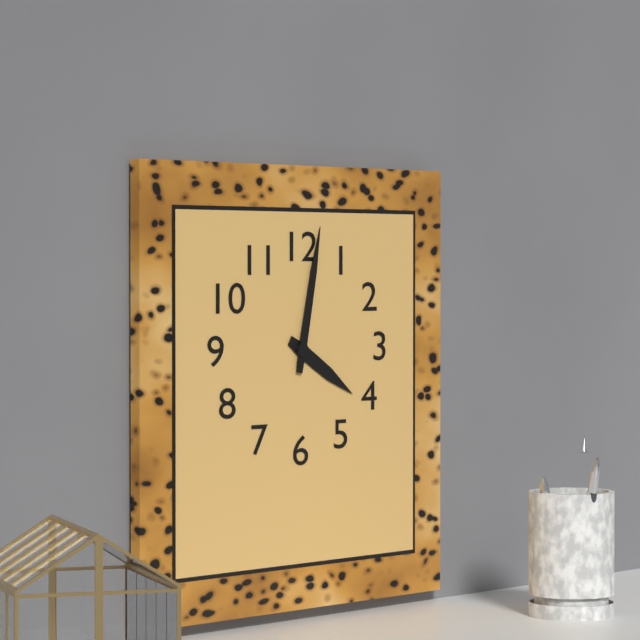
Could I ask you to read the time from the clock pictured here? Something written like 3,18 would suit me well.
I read 4,02
